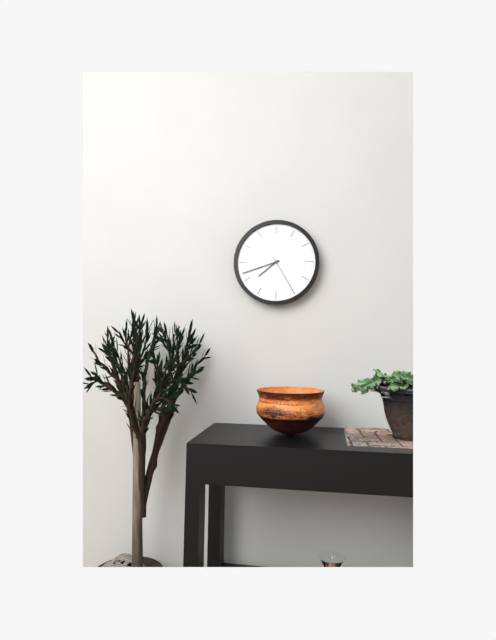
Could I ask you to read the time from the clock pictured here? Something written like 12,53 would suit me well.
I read 7,42
